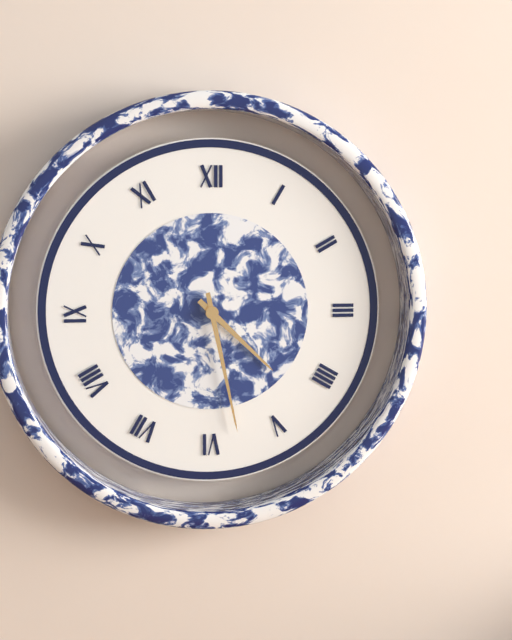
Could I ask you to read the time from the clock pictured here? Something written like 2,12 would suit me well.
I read 4,28
